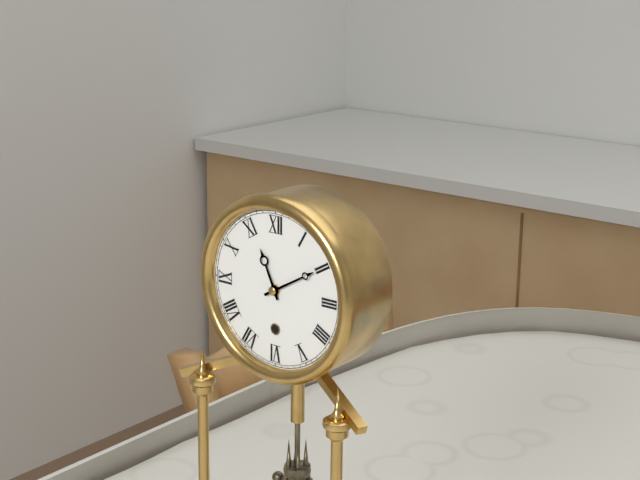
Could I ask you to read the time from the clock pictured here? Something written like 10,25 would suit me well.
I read 11,10
